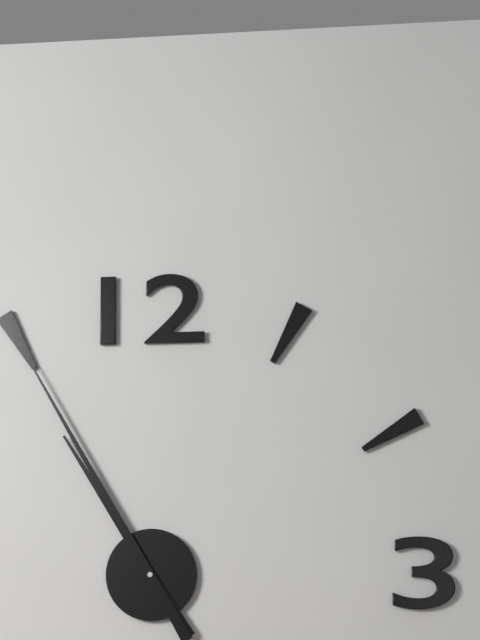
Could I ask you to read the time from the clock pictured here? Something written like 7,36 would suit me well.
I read 10,55
